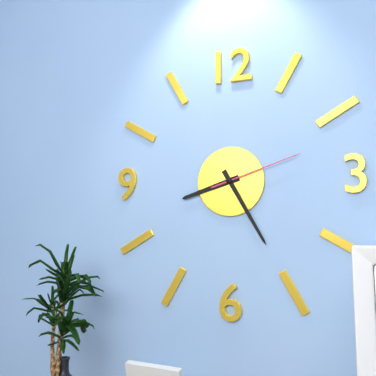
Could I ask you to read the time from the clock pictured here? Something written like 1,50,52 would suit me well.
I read 8,25,12
